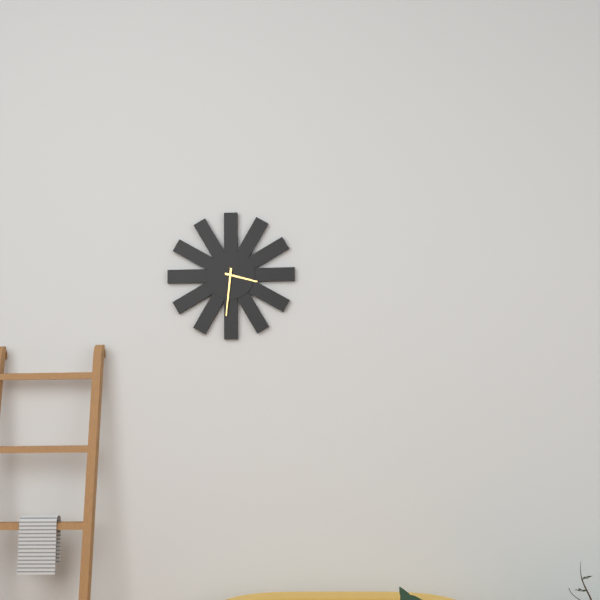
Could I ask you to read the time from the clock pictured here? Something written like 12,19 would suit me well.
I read 3,31
